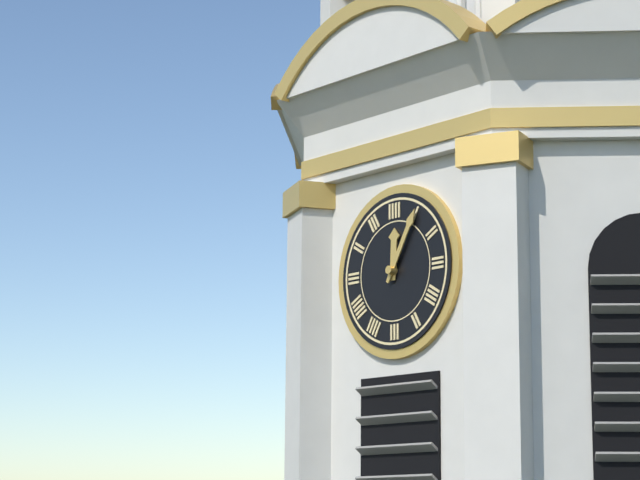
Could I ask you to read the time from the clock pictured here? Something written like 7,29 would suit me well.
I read 12,05
